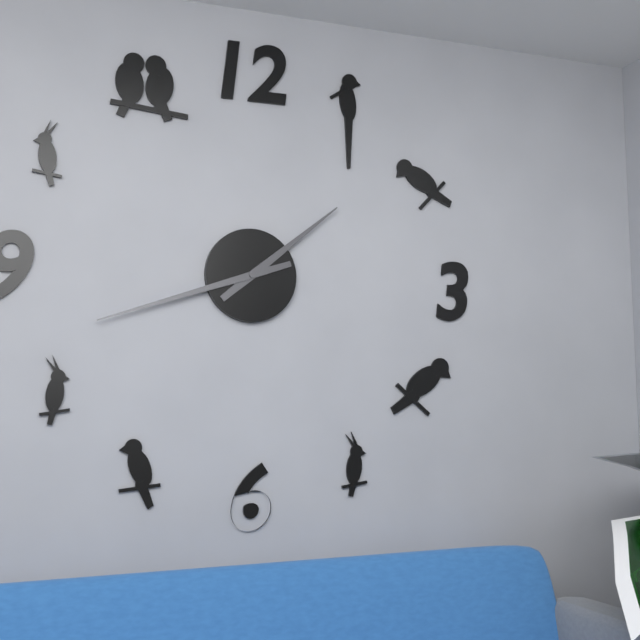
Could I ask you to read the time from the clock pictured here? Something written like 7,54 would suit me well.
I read 1,42
